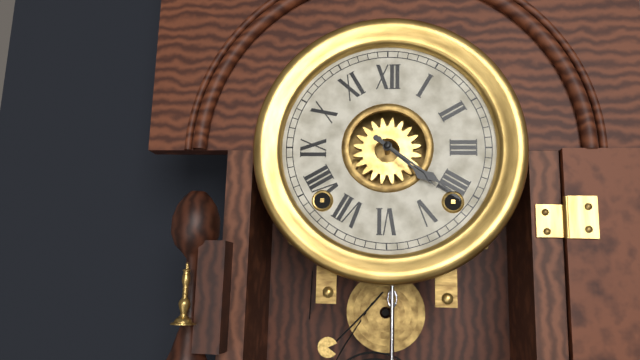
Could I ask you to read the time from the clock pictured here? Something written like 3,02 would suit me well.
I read 4,21
